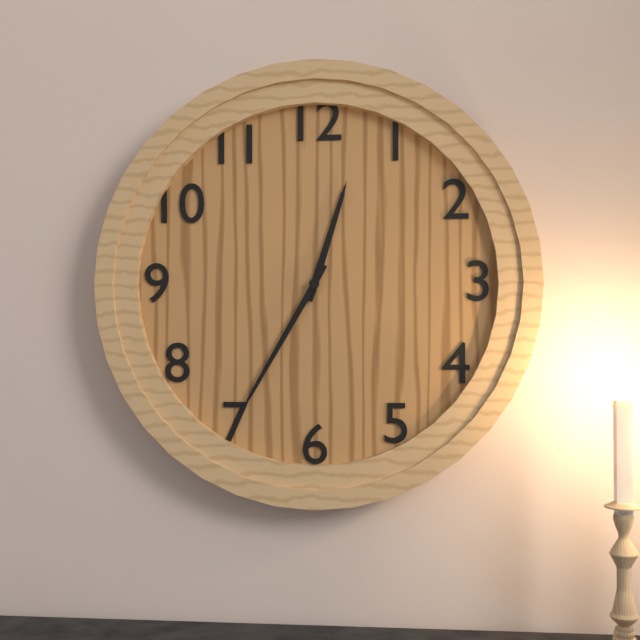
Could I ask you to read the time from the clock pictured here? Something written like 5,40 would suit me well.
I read 12,35
